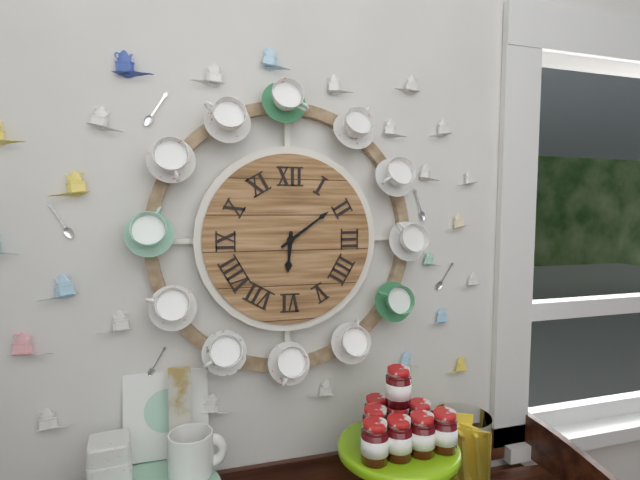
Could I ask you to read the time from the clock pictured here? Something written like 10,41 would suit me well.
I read 6,09
